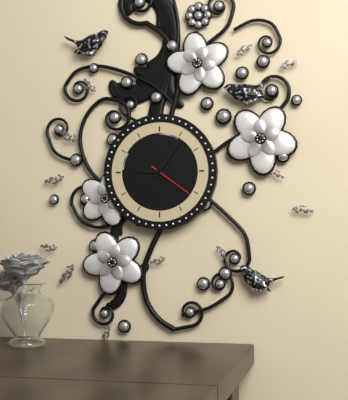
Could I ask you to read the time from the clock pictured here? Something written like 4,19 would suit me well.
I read 9,06
